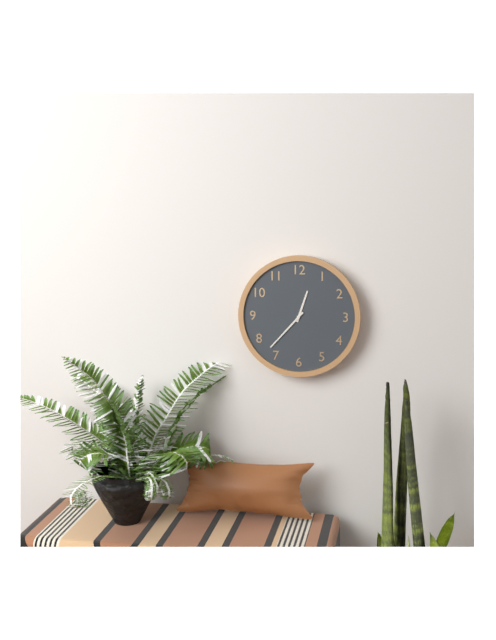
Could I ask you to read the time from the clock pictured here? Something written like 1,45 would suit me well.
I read 12,37
